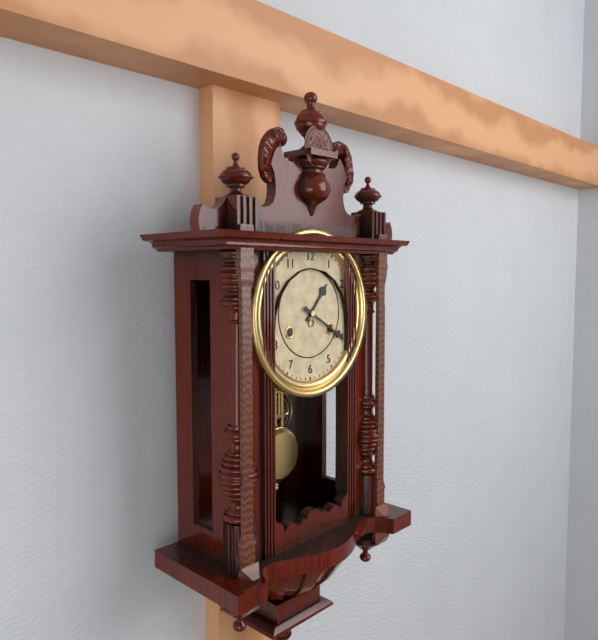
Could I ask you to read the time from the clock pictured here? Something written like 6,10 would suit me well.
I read 1,20
